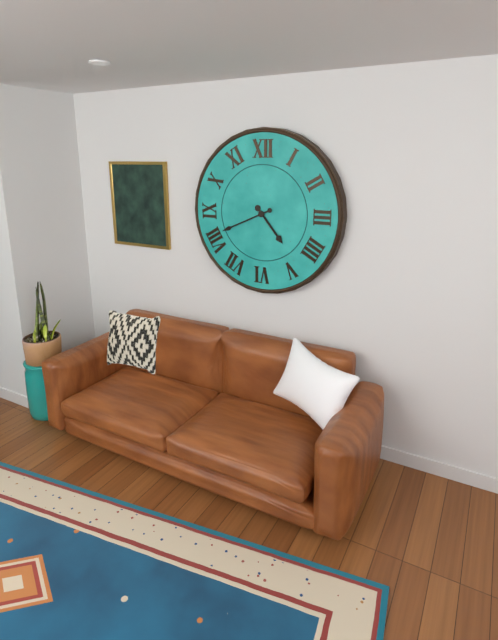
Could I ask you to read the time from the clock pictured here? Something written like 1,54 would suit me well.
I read 4,41
